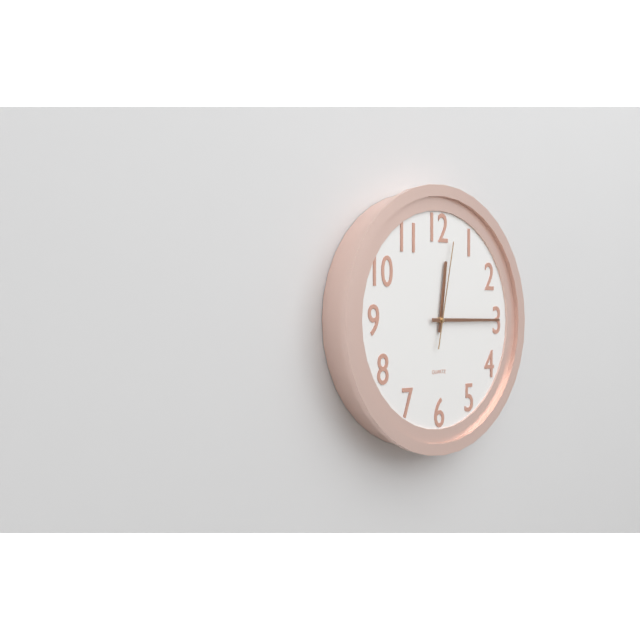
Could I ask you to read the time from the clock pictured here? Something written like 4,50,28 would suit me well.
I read 12,15,02
